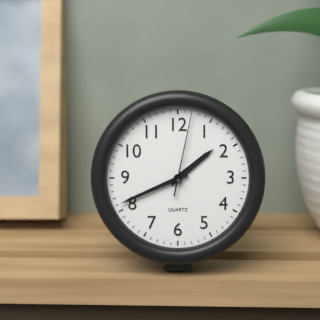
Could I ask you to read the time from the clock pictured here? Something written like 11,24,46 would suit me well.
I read 1,41,02
